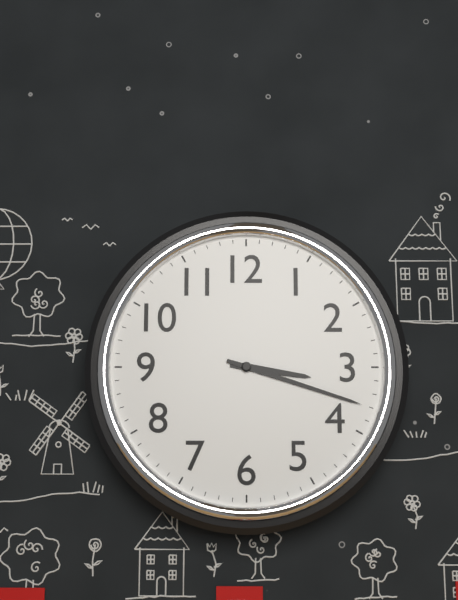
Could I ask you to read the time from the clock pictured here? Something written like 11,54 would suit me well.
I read 3,18
